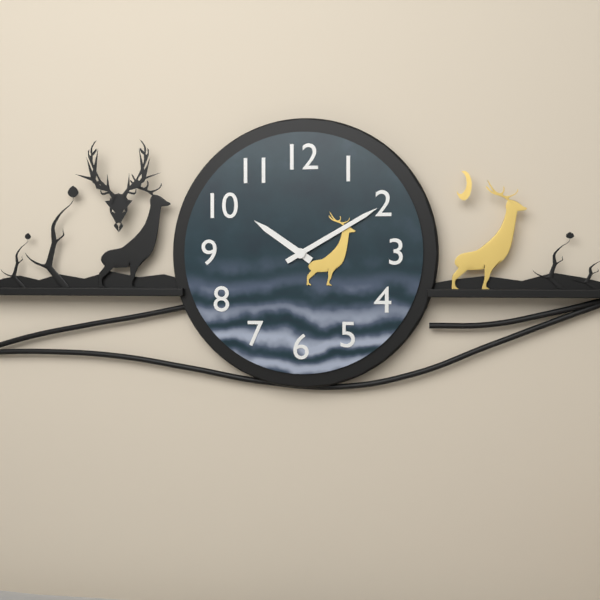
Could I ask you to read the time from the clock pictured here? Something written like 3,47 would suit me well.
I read 10,10
